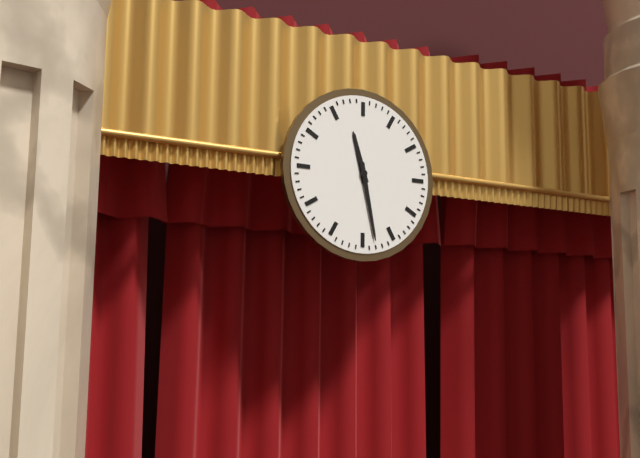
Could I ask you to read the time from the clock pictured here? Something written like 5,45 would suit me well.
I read 11,28
